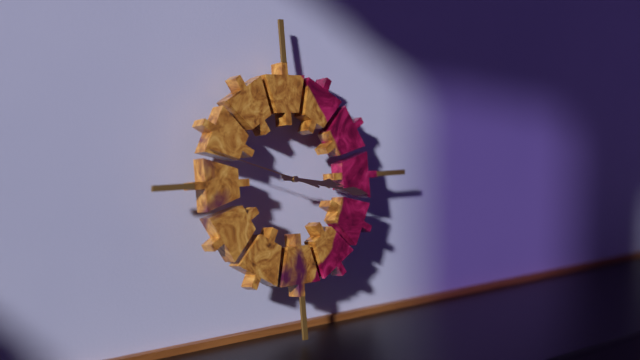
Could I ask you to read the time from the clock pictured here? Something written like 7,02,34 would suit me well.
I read 3,17,48
